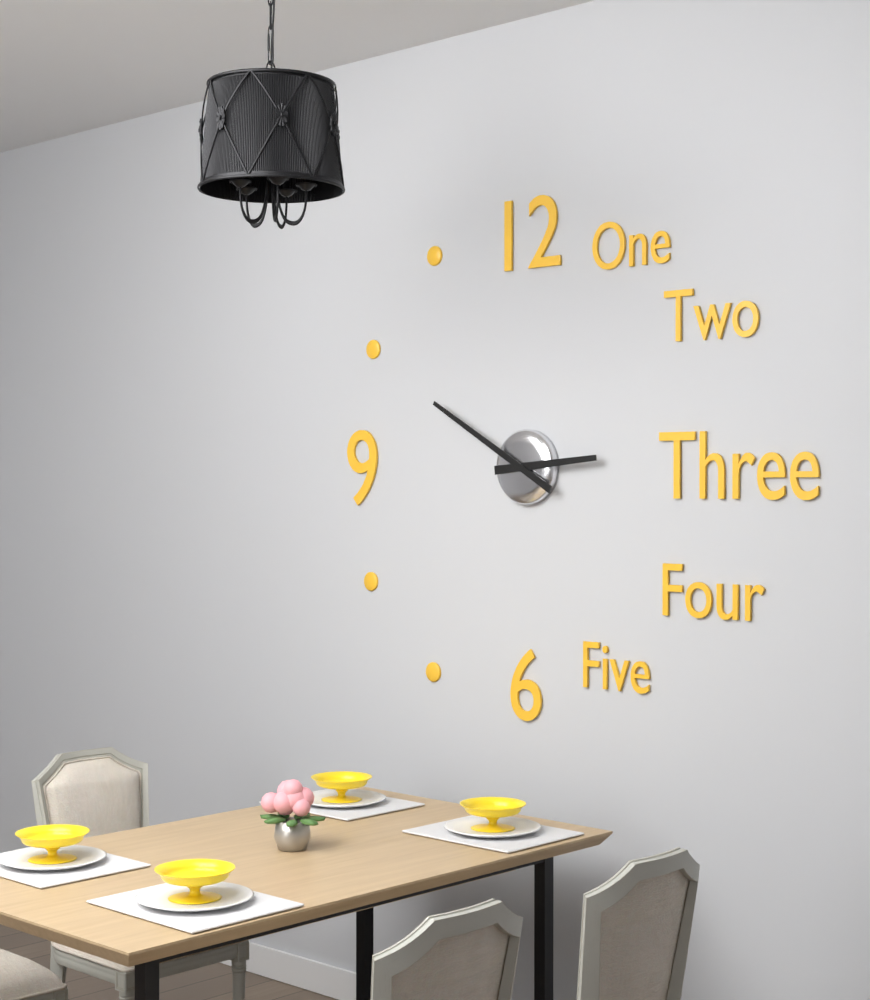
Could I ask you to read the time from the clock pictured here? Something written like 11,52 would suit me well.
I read 2,50
